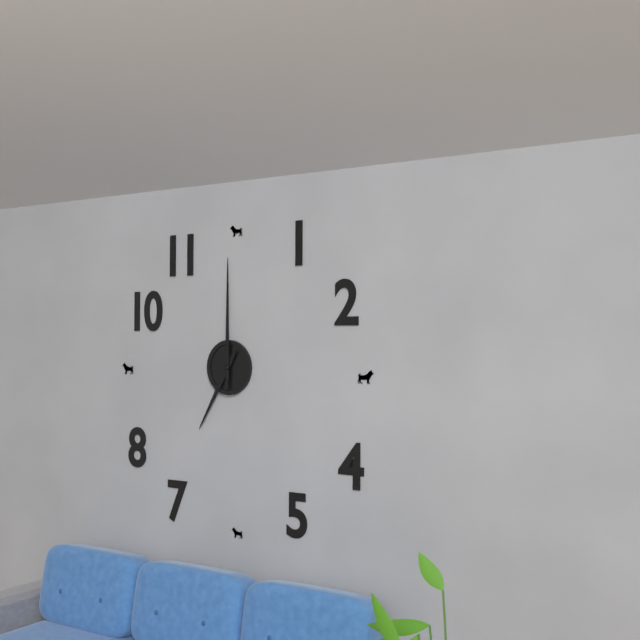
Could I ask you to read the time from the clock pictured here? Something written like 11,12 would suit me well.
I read 7,00
